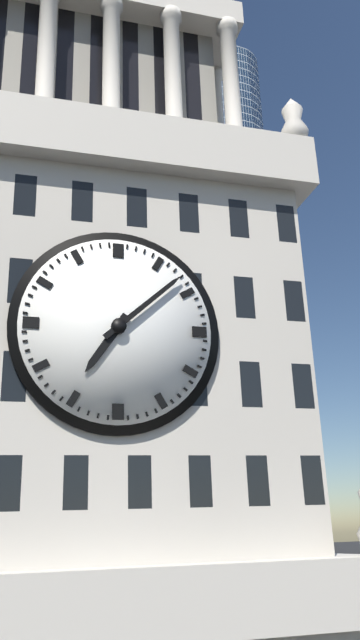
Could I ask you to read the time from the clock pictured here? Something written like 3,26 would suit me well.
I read 7,08
